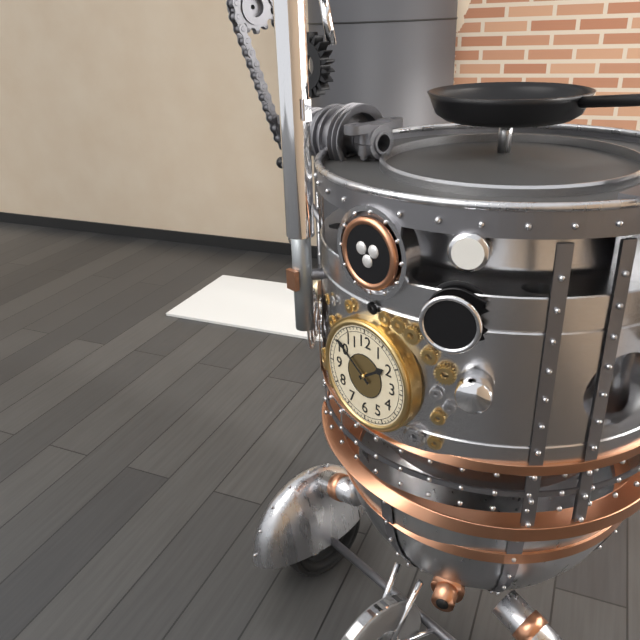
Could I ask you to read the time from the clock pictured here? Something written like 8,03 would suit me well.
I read 1,51
